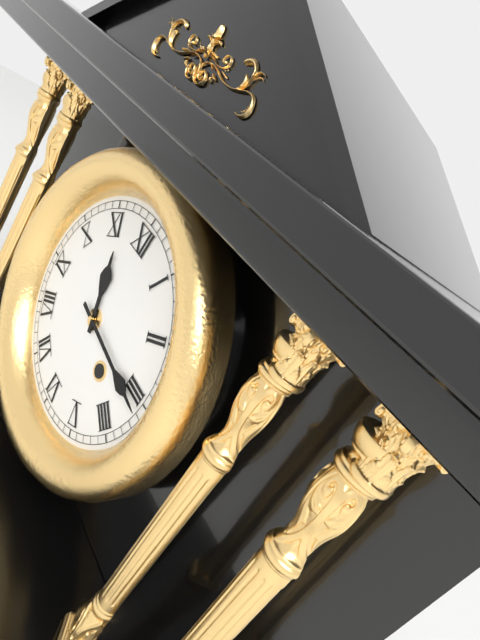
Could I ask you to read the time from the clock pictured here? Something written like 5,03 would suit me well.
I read 11,16
